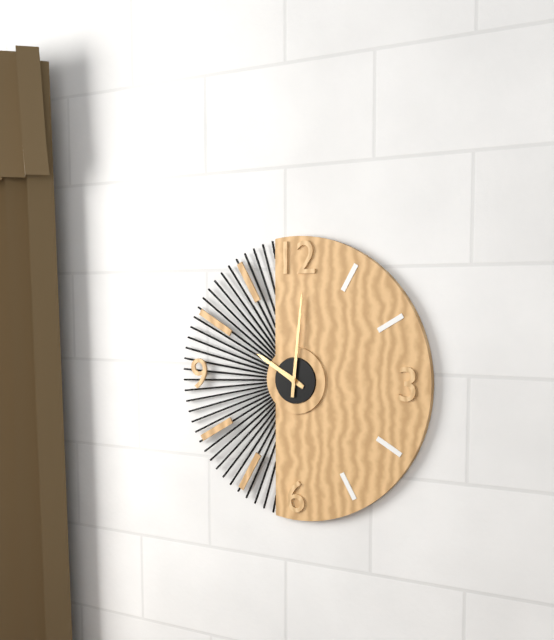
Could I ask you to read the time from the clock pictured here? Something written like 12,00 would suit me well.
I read 10,01
